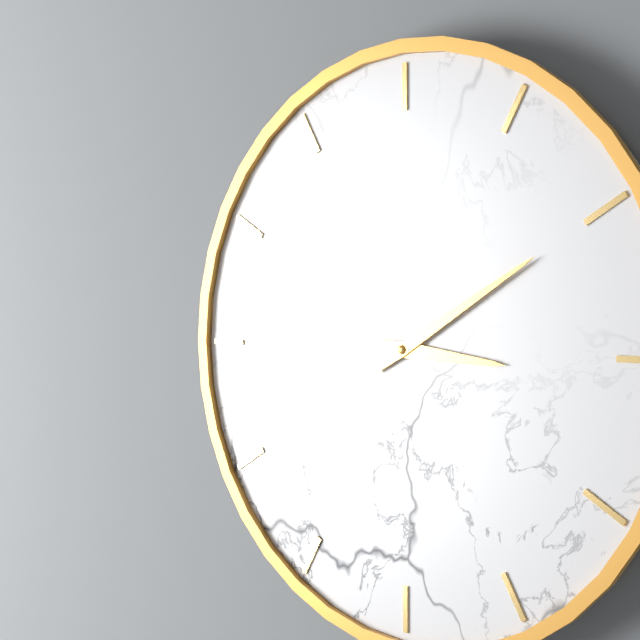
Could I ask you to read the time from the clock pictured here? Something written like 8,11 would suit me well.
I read 3,10
